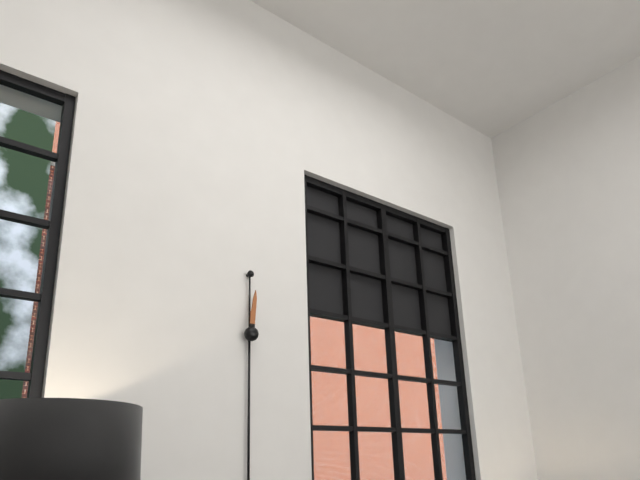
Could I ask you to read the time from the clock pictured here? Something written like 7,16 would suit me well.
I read 12,01
